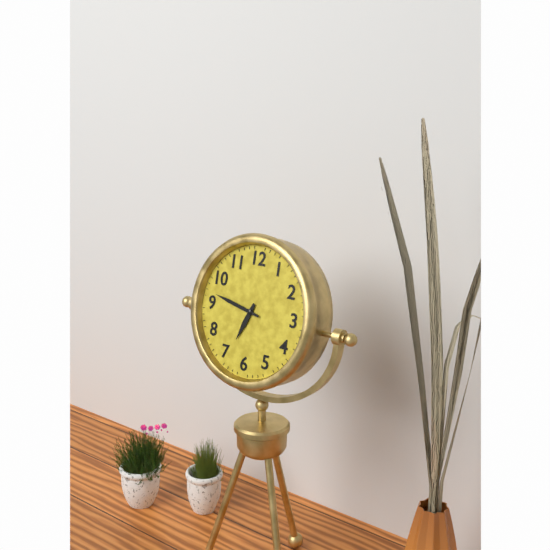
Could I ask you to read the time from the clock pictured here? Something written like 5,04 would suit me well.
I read 6,47
